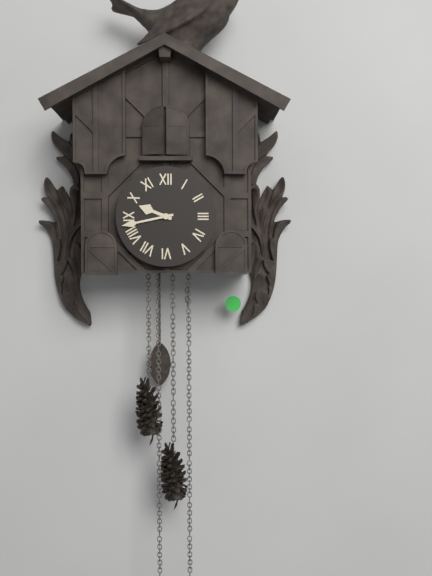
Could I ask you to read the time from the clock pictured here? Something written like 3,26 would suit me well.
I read 9,43
